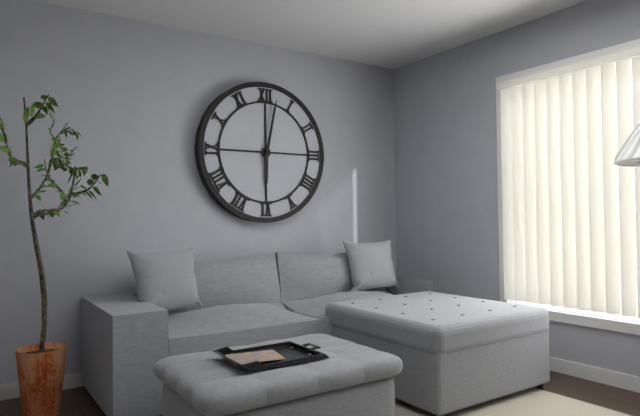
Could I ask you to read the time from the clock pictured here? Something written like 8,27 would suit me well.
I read 6,02
